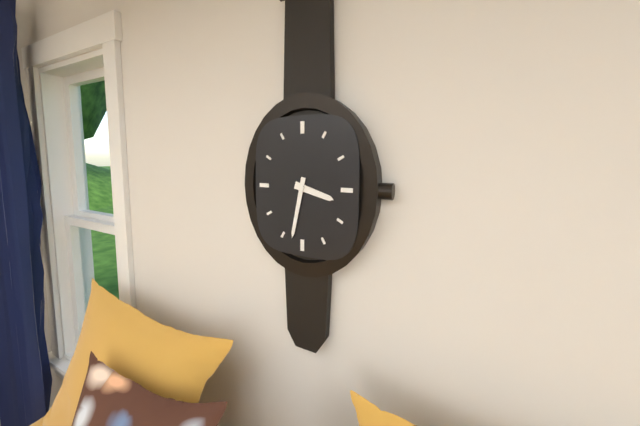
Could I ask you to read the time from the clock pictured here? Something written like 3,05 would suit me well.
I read 3,32
